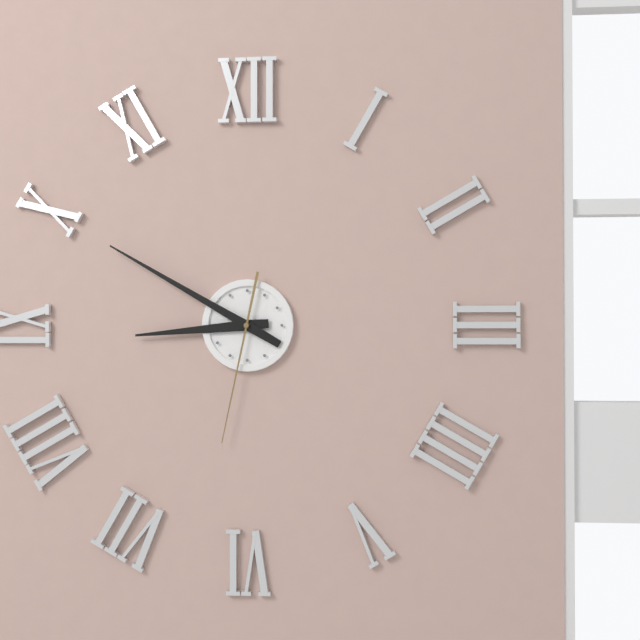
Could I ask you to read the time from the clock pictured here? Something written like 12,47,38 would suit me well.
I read 8,50,32
